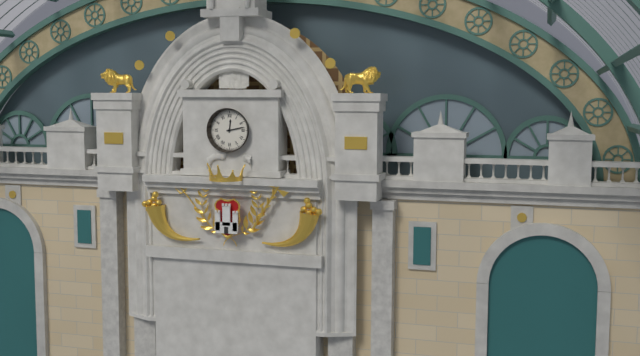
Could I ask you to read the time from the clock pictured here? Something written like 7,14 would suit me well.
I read 12,13
